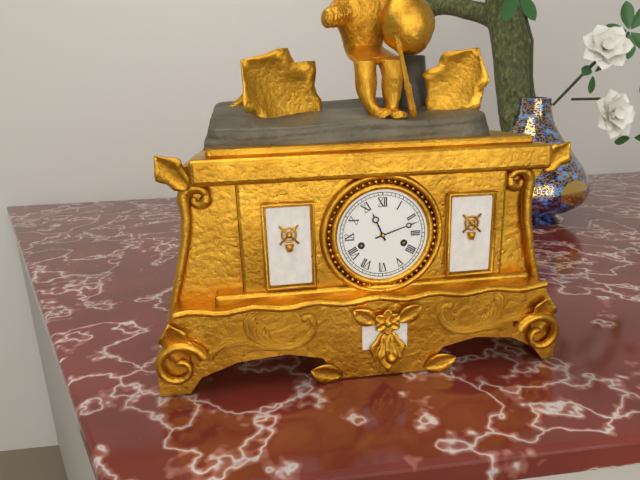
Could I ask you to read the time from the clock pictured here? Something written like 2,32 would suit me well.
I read 11,12
